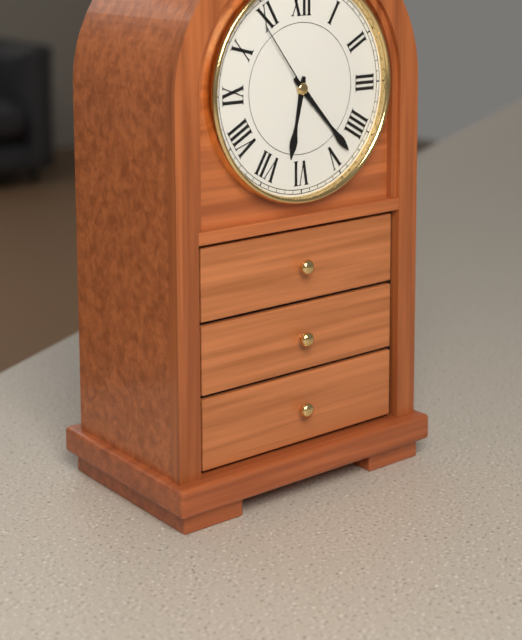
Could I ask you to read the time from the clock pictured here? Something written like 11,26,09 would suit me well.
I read 6,23,54
